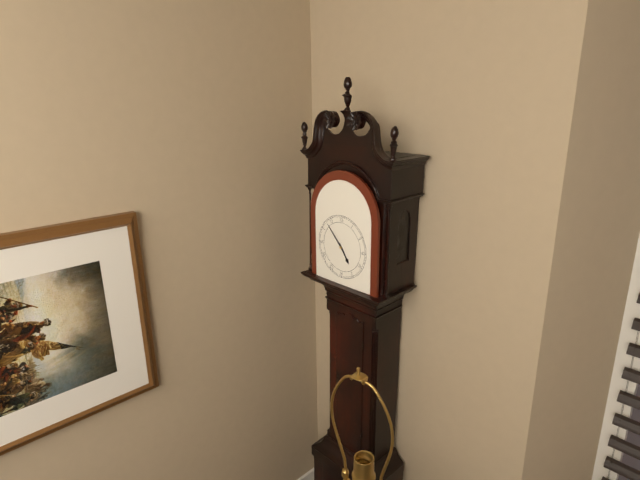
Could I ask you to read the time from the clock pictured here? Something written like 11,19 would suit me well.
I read 4,53
